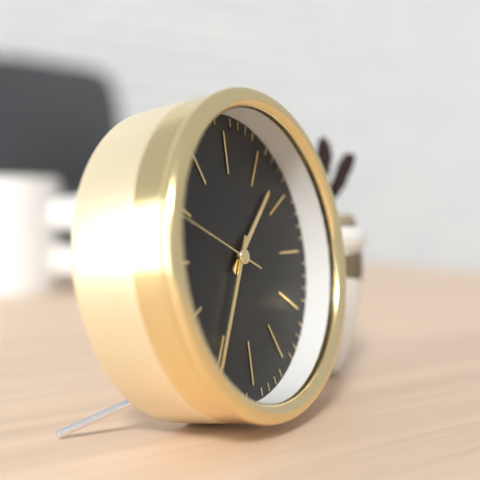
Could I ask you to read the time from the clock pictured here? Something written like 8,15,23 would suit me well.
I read 1,35,49
